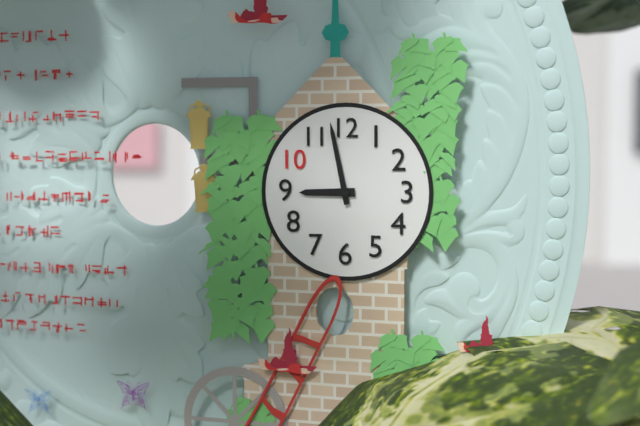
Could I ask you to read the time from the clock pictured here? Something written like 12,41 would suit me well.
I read 8,58
